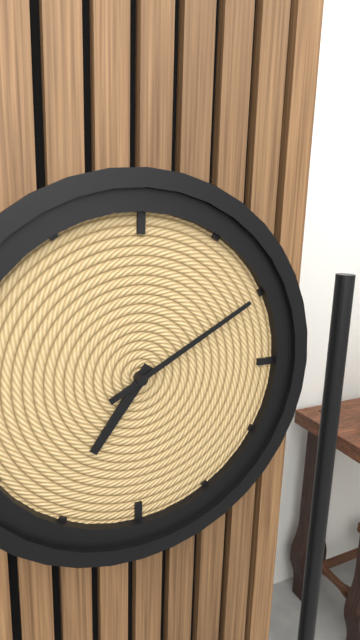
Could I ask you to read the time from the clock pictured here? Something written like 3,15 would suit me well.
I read 7,10
